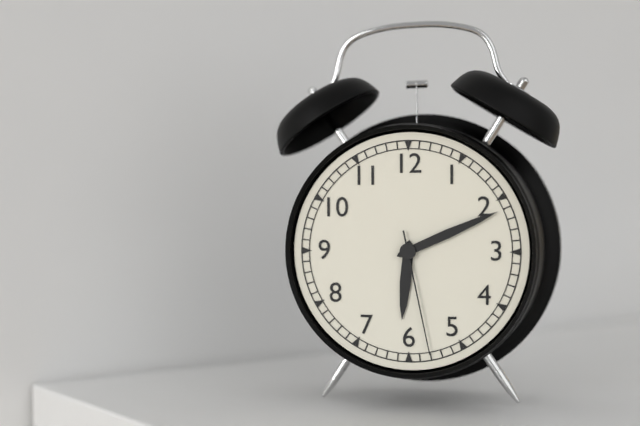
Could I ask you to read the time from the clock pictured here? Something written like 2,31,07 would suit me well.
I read 6,11,28
